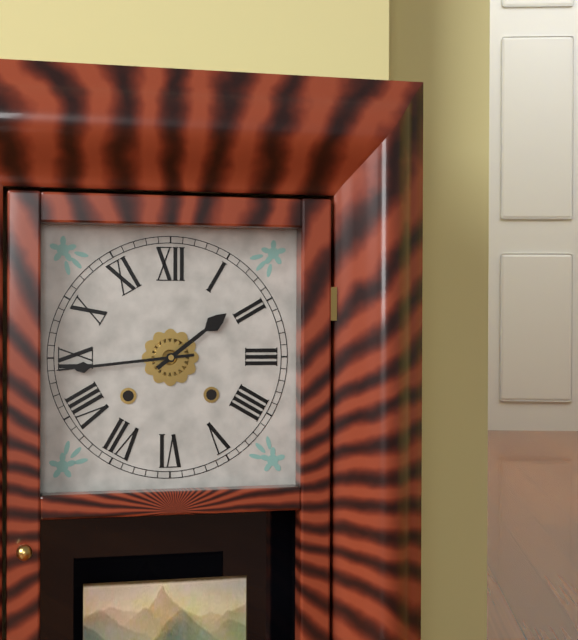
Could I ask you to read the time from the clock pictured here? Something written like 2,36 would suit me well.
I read 1,44
